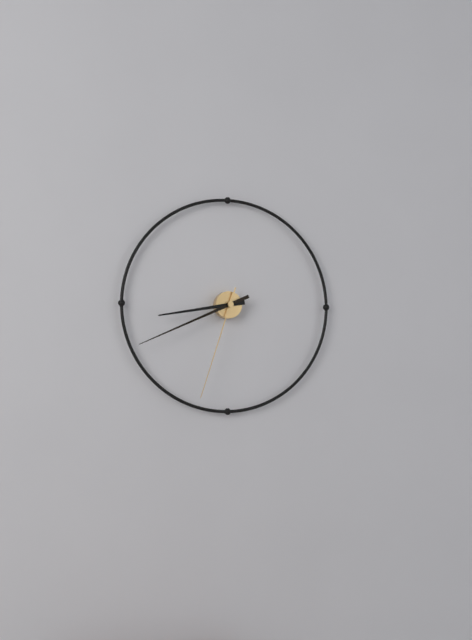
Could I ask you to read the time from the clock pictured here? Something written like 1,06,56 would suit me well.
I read 8,41,33
